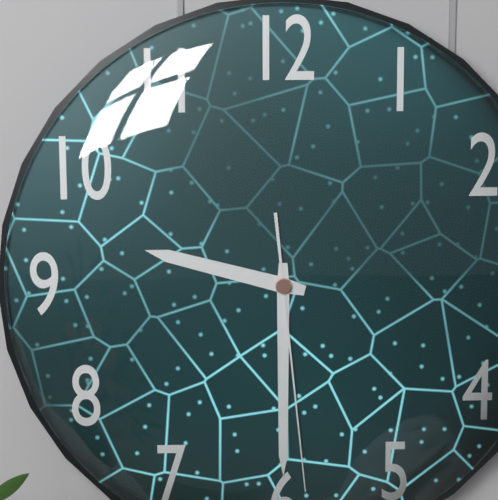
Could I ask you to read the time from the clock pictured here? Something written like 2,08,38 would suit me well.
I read 9,30,29
